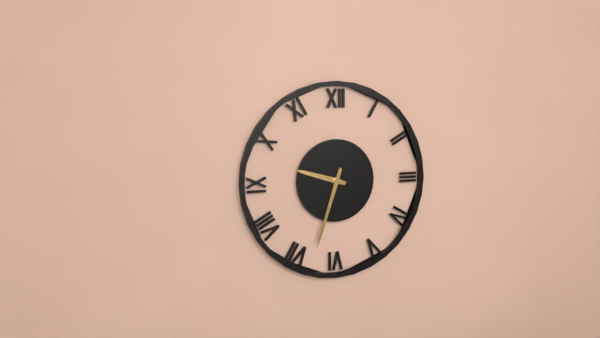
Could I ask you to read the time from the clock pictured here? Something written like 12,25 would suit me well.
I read 9,33
